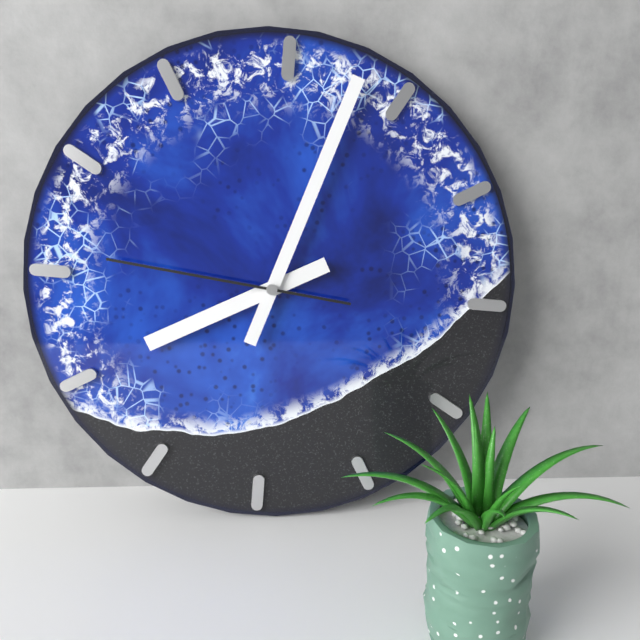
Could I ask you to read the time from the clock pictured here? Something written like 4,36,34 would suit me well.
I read 8,03,46
